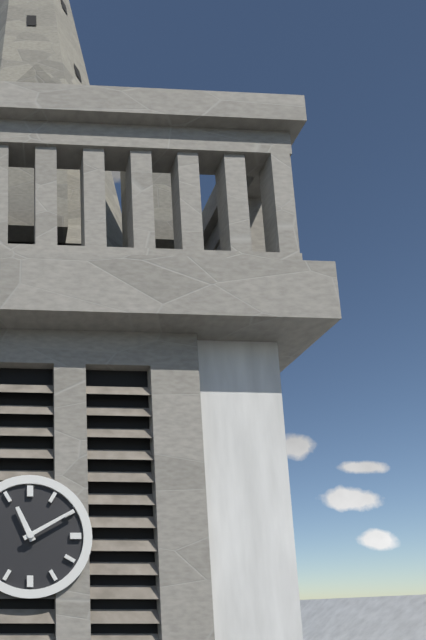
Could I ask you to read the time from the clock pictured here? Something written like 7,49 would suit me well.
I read 11,10
